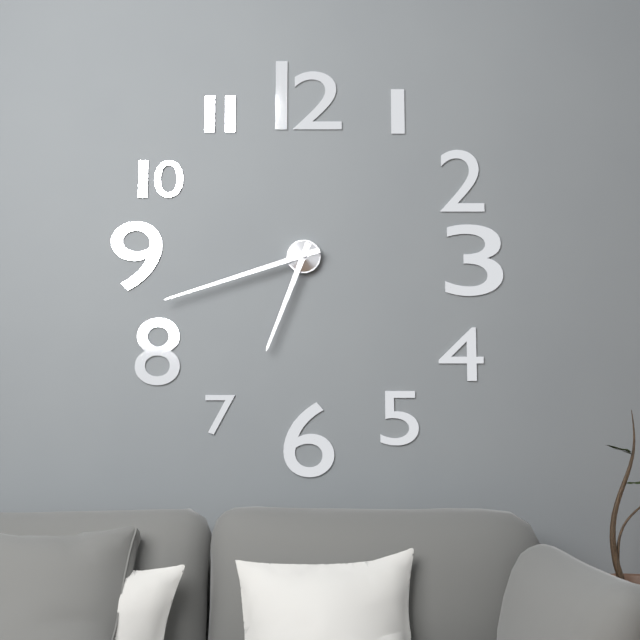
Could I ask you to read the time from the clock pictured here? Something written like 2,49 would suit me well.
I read 6,42
